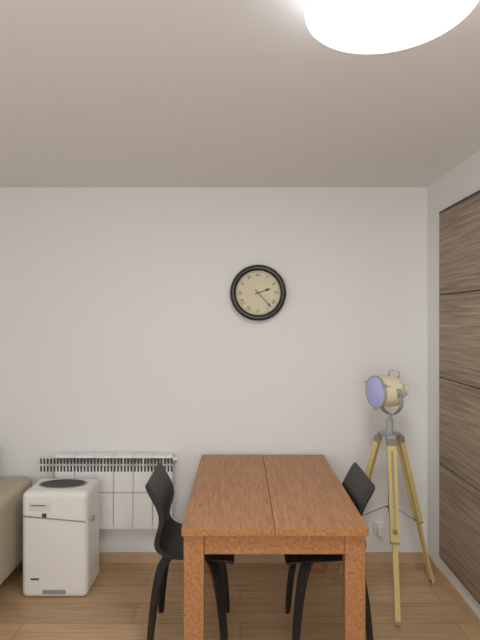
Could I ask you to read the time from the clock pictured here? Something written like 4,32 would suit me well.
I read 2,23
